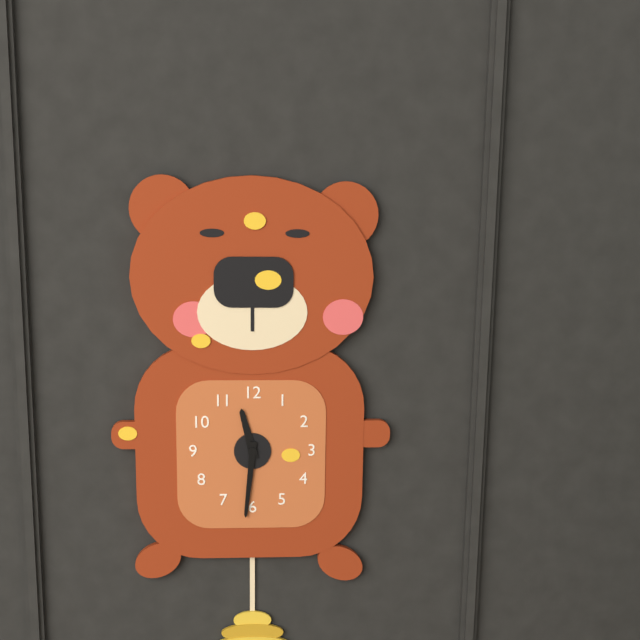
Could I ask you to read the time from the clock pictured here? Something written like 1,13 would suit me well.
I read 11,31
